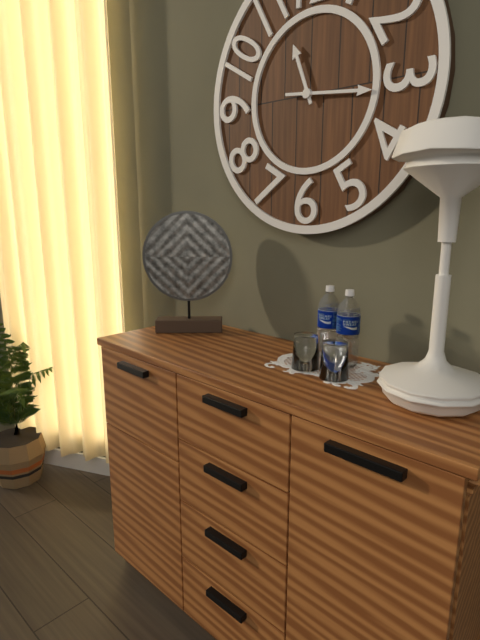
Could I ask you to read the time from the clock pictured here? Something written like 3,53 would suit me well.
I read 11,16
